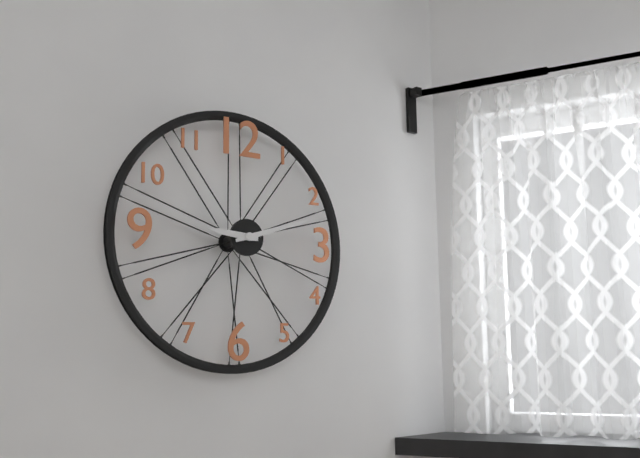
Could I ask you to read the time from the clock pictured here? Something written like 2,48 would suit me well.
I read 9,12
